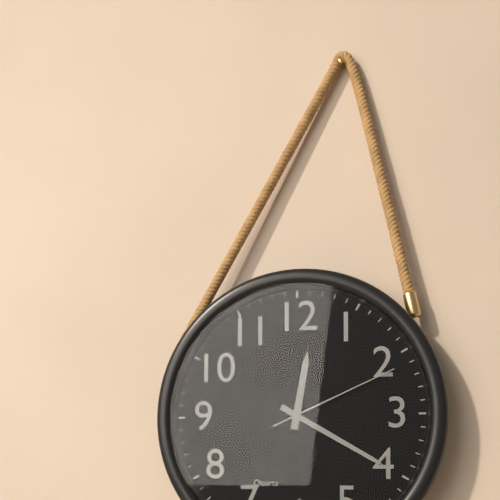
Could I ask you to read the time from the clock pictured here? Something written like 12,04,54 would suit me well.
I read 12,20,11
